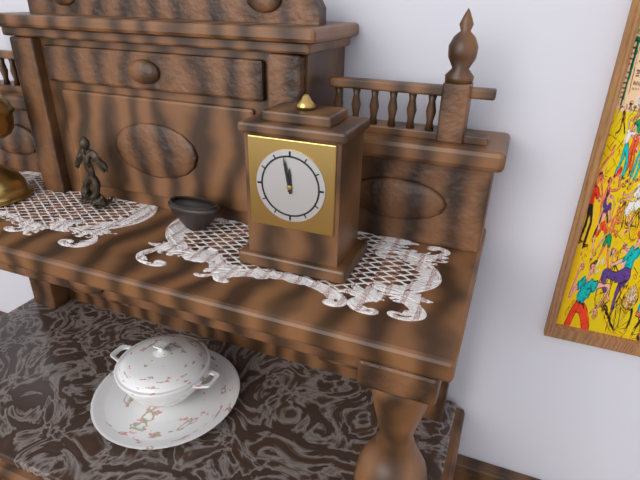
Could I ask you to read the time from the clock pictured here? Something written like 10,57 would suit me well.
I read 11,58
